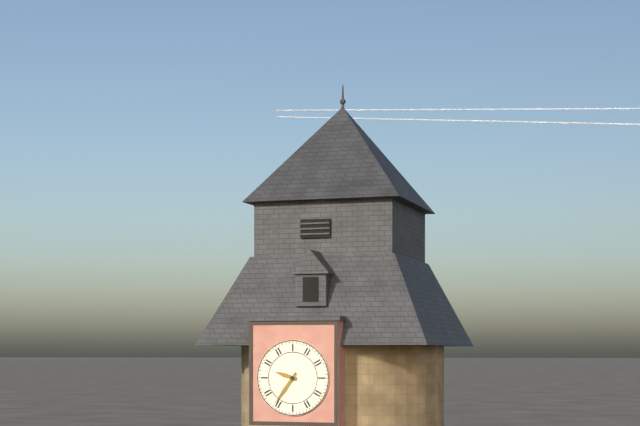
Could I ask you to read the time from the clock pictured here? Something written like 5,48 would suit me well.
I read 9,36
